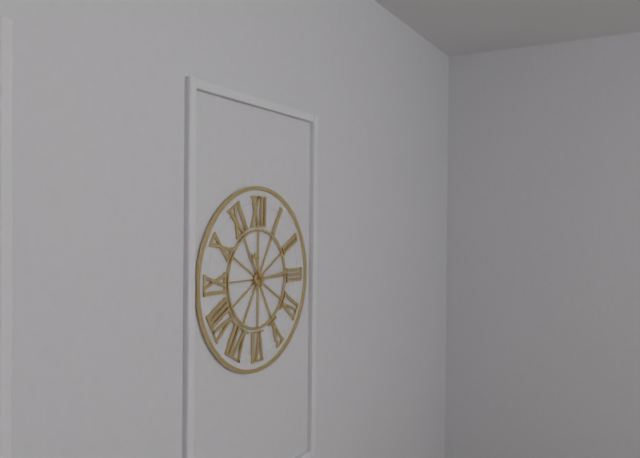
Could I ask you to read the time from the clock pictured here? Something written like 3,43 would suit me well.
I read 11,14
